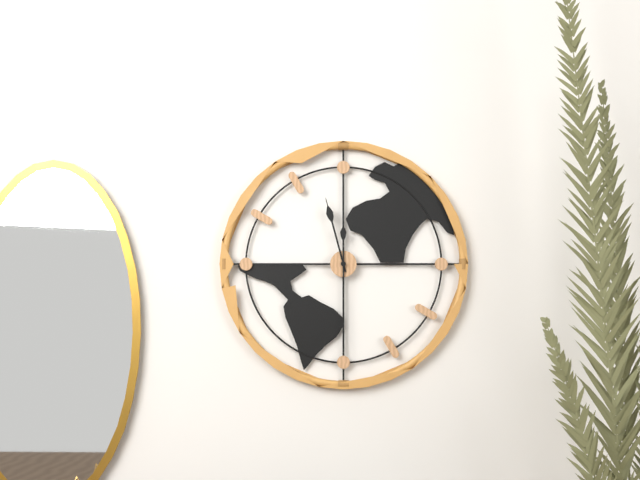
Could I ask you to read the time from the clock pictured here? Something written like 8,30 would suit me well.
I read 11,30
